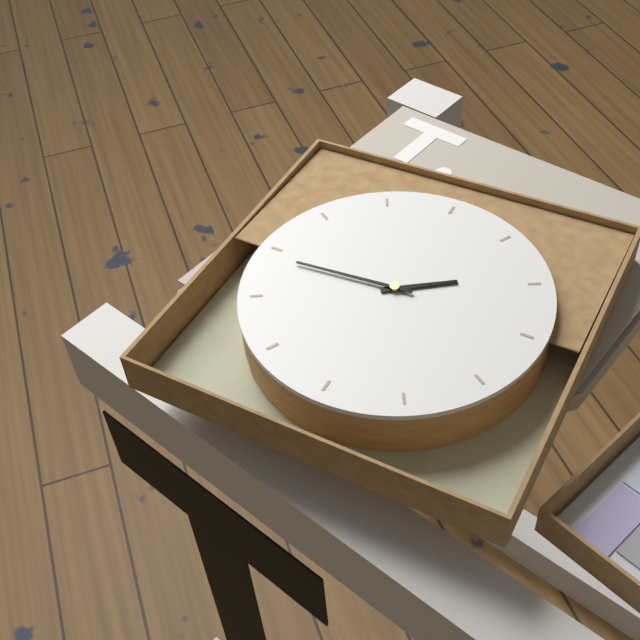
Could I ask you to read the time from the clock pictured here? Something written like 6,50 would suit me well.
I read 2,49
